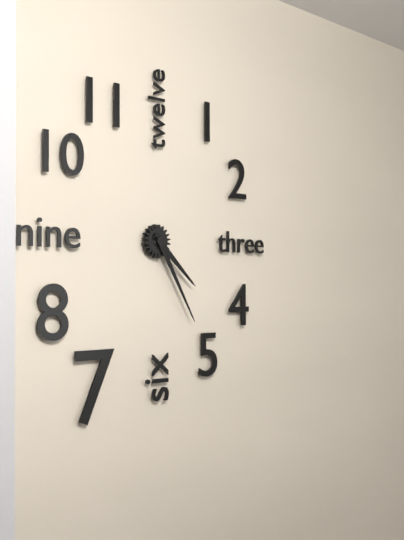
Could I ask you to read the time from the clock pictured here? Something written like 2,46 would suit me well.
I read 4,25
